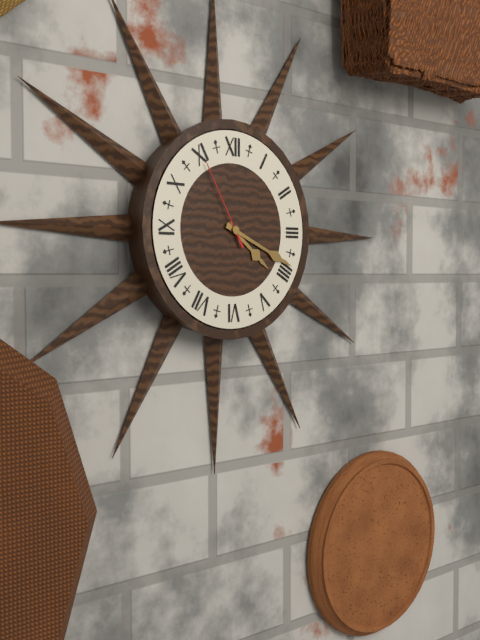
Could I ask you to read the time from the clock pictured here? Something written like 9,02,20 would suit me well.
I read 4,19,55
